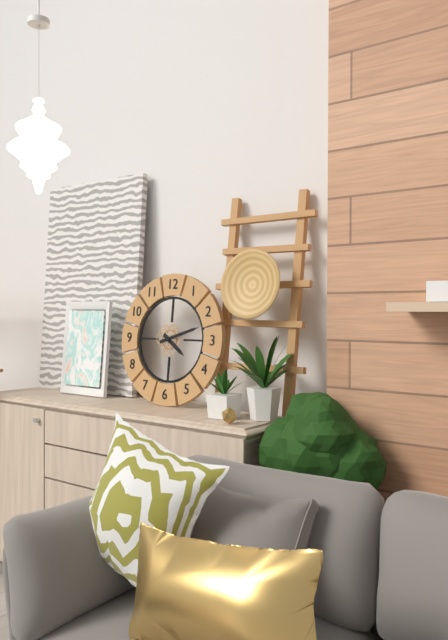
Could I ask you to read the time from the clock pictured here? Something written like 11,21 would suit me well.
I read 4,12
